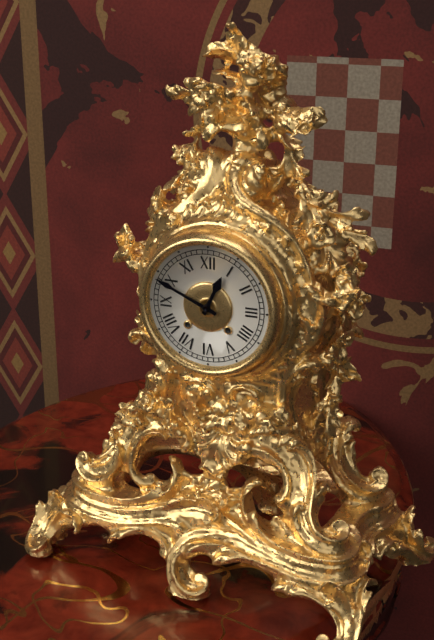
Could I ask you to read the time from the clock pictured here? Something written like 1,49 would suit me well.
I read 12,49
